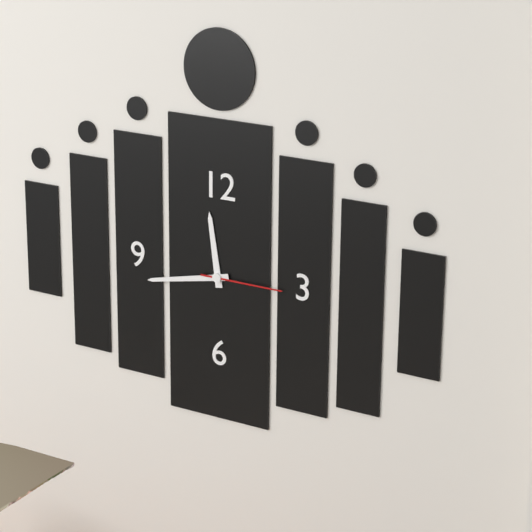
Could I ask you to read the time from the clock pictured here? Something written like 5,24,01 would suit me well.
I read 11,43,15
